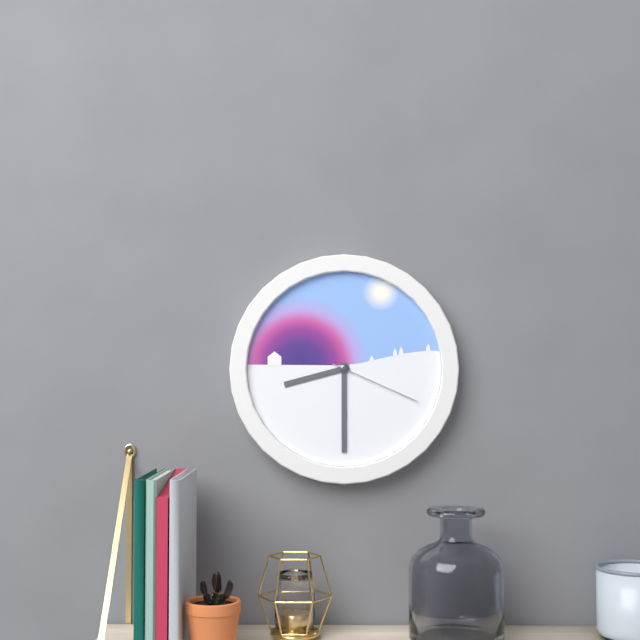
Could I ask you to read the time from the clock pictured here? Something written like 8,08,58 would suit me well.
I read 8,30,19
